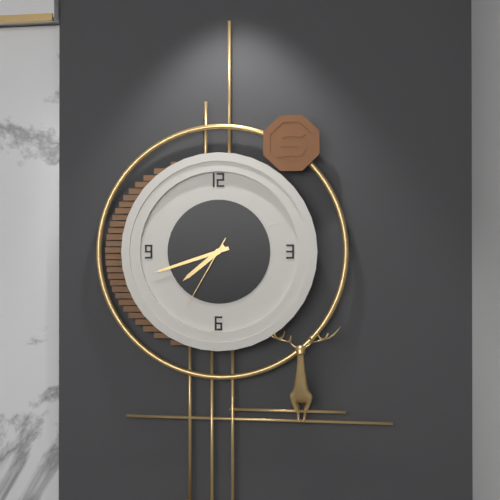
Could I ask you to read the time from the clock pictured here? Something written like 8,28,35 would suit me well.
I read 7,42,35
